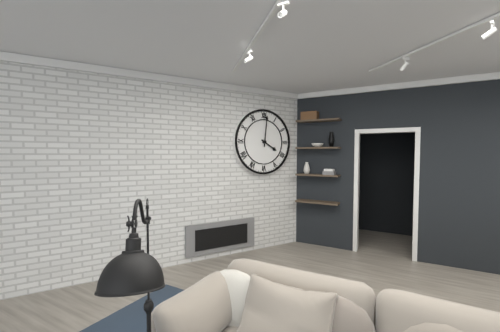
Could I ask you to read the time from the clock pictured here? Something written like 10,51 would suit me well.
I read 4,01
